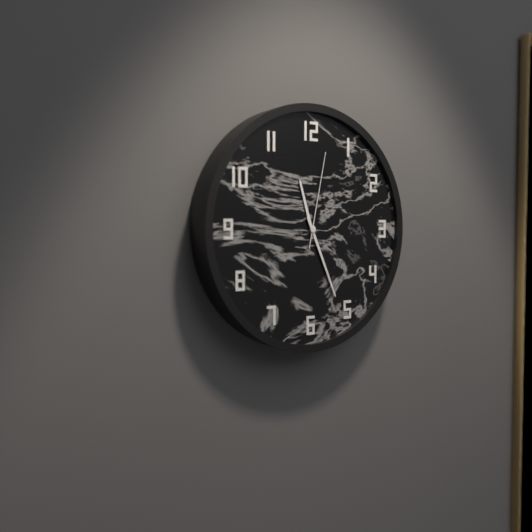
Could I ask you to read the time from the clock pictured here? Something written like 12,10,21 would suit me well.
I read 11,26,02
